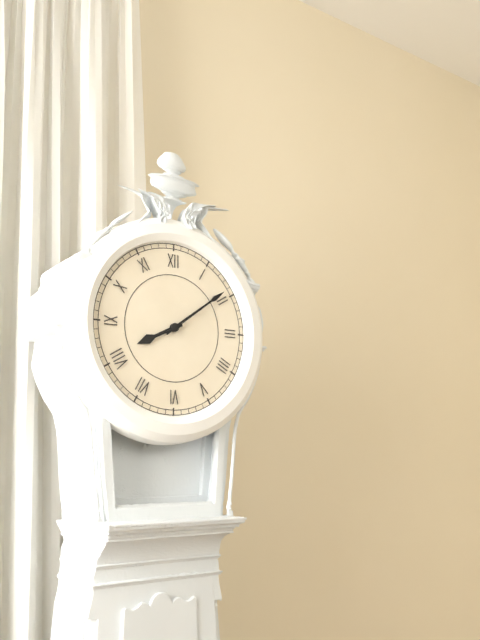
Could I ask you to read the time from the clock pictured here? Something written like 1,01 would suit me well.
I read 8,09
